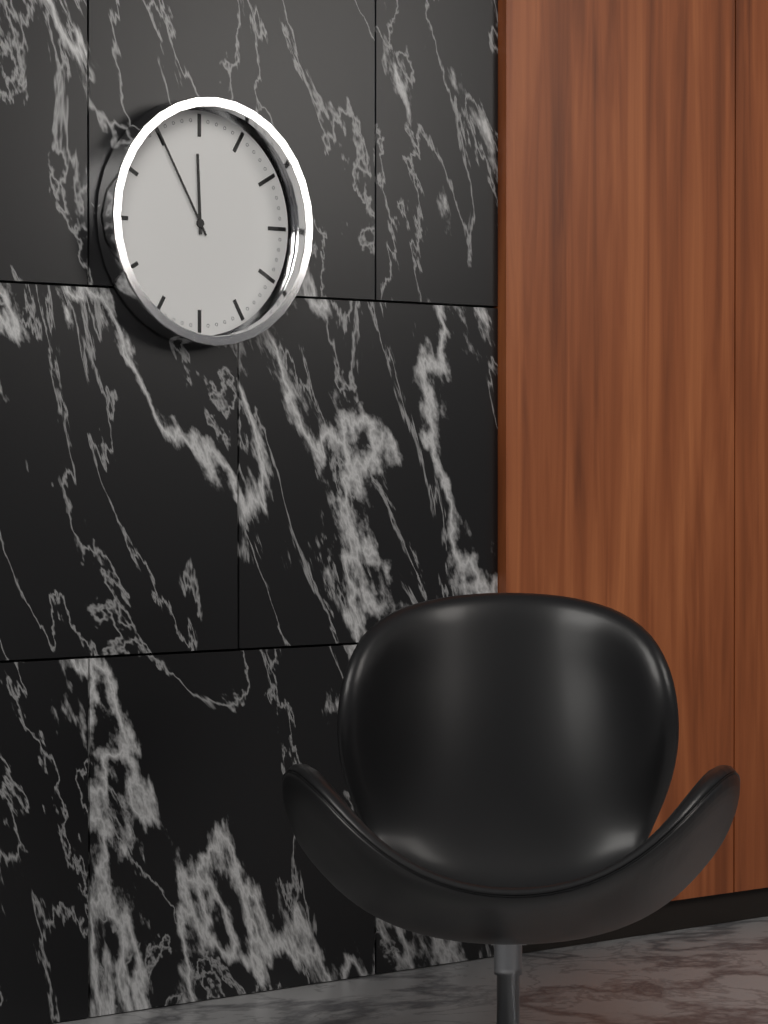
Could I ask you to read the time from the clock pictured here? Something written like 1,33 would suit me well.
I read 11,55
